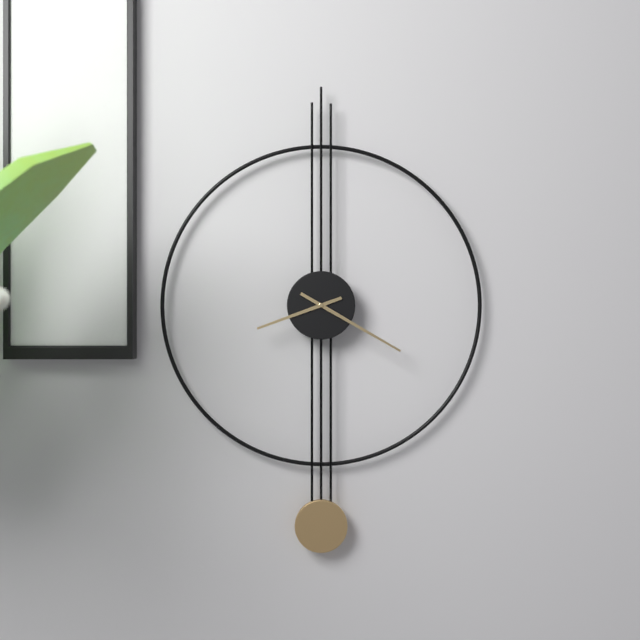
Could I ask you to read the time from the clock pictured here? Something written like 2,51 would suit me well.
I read 8,20
